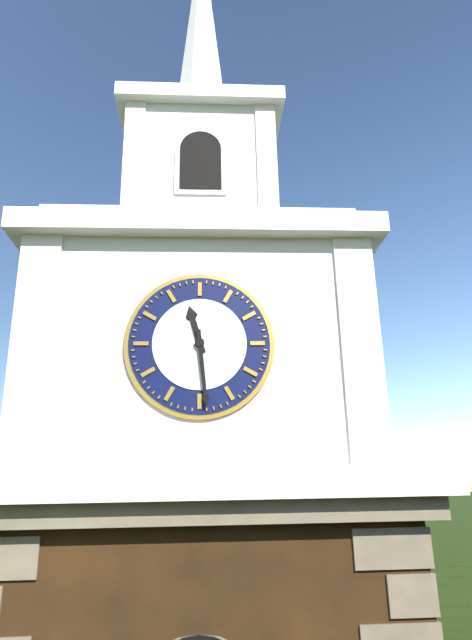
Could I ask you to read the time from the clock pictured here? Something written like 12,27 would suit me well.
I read 11,29
